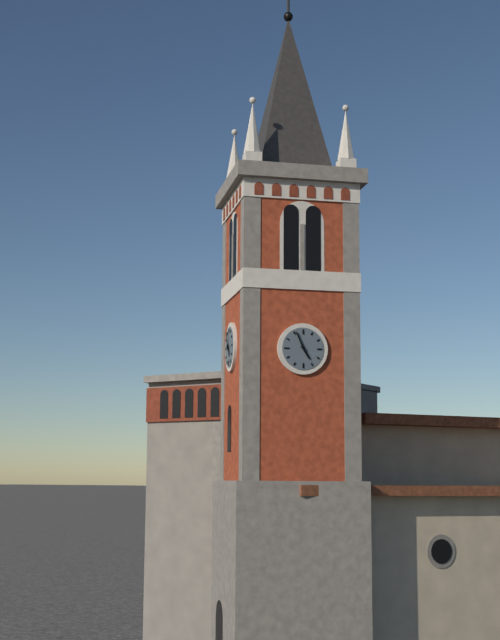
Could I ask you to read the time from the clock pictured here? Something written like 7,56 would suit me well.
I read 4,56
